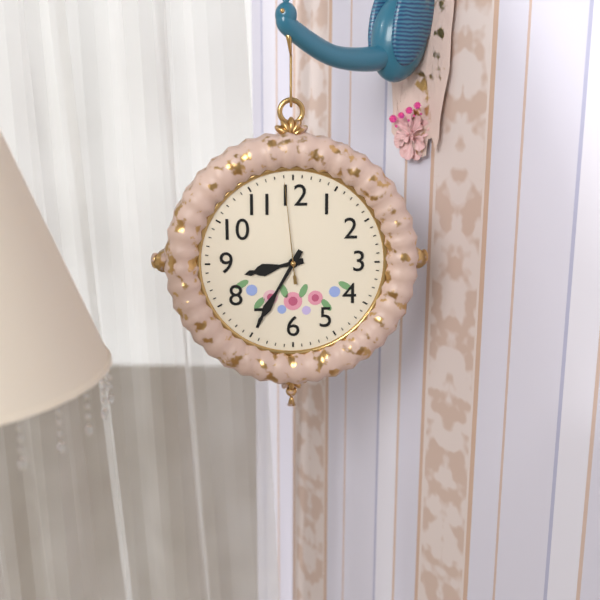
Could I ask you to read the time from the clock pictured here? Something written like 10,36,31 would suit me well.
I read 8,35,59
